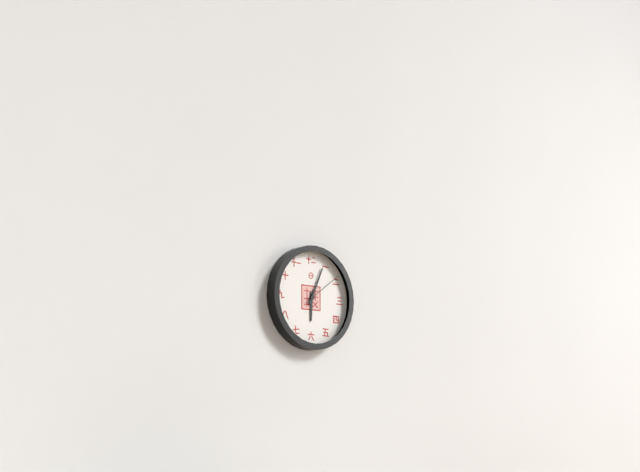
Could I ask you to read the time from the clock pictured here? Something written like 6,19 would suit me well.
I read 6,04
